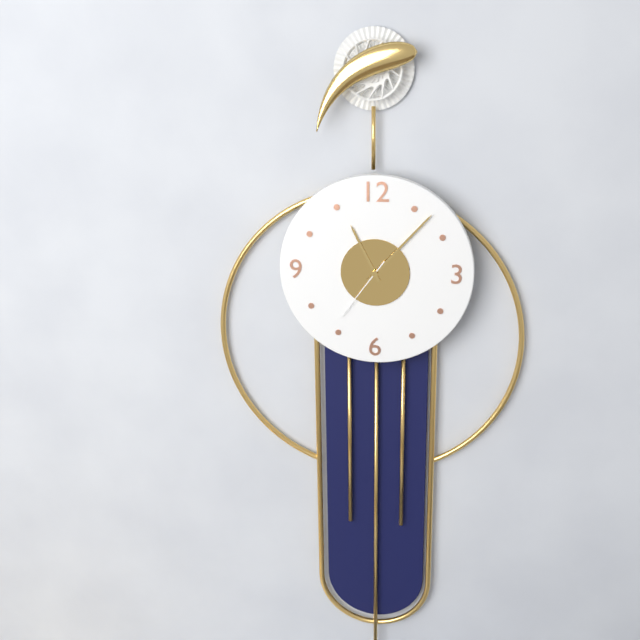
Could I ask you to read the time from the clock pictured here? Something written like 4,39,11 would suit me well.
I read 11,07,36
